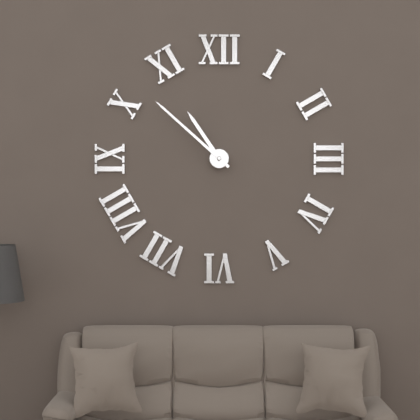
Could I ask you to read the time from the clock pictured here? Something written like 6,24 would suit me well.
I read 10,52
